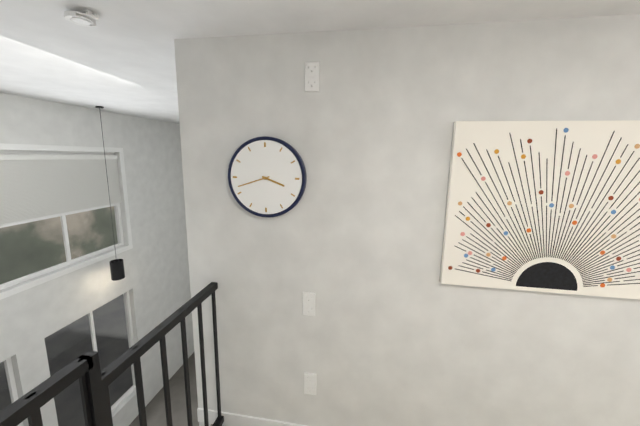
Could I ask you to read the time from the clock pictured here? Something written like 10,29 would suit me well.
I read 3,42
